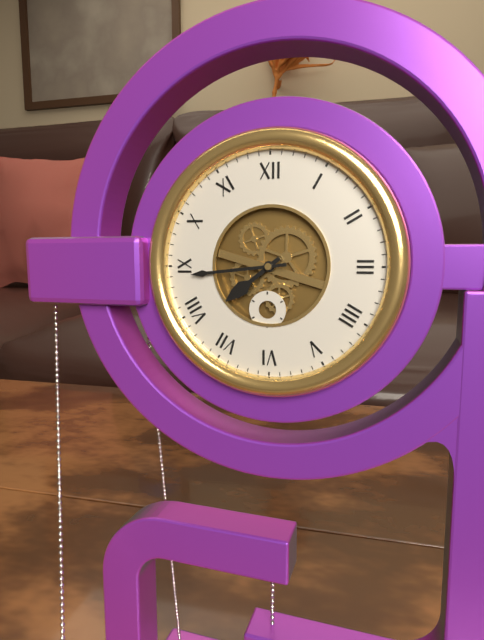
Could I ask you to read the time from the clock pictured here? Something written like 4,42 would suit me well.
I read 7,44
